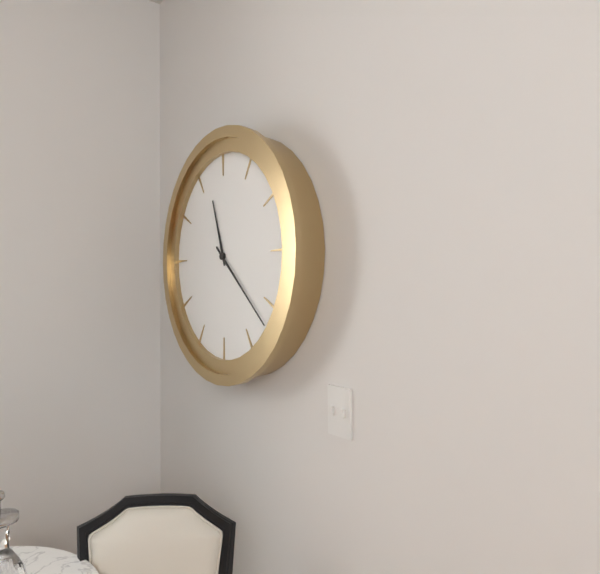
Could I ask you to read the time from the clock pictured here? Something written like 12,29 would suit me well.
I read 11,22
